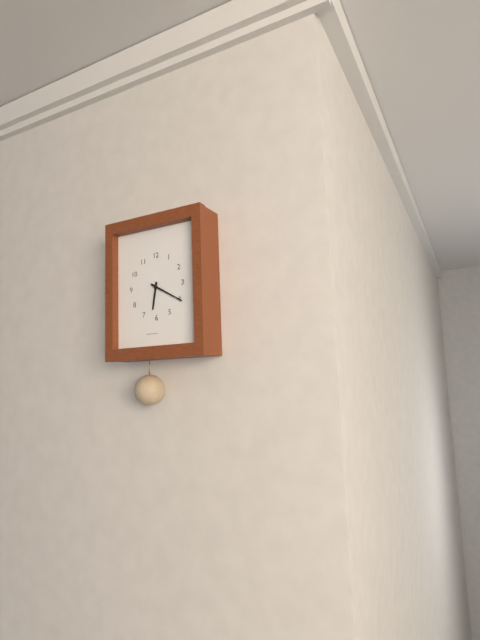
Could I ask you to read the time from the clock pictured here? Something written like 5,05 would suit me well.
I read 6,20
